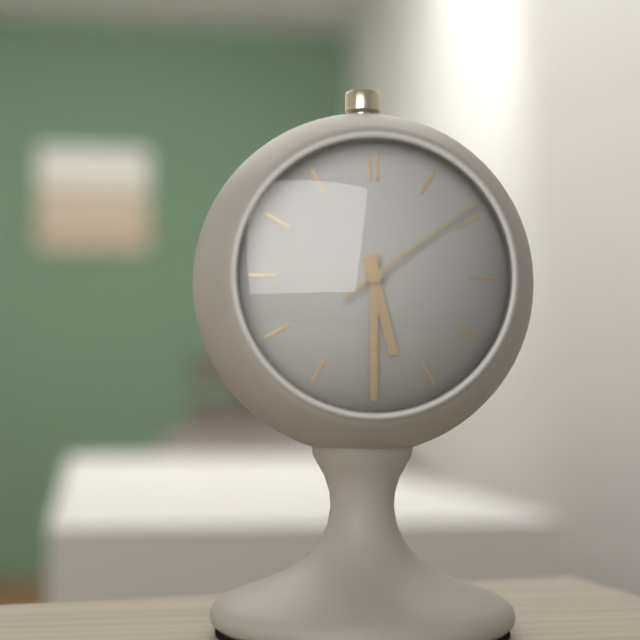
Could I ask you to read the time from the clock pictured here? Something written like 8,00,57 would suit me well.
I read 5,30,09
